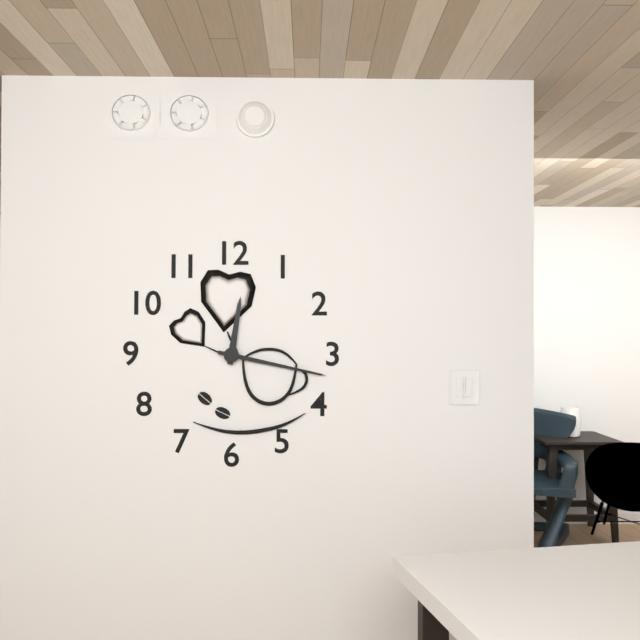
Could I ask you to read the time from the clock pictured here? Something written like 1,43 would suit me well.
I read 12,17
